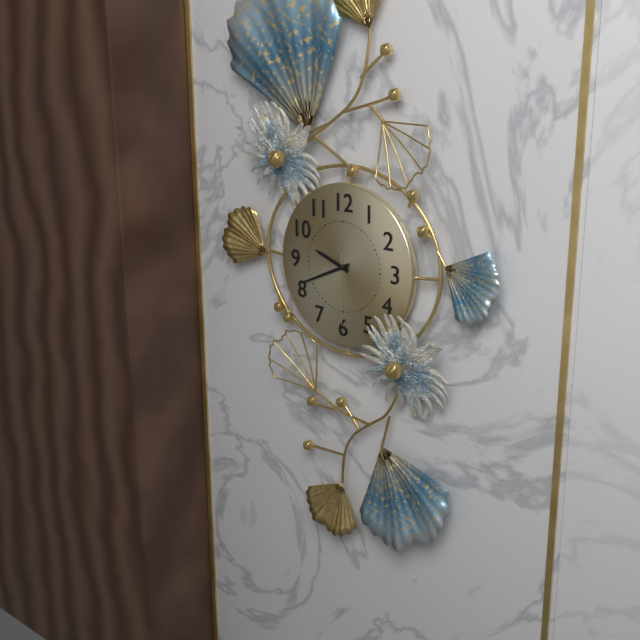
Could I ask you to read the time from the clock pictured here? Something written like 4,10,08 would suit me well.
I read 9,41,30
